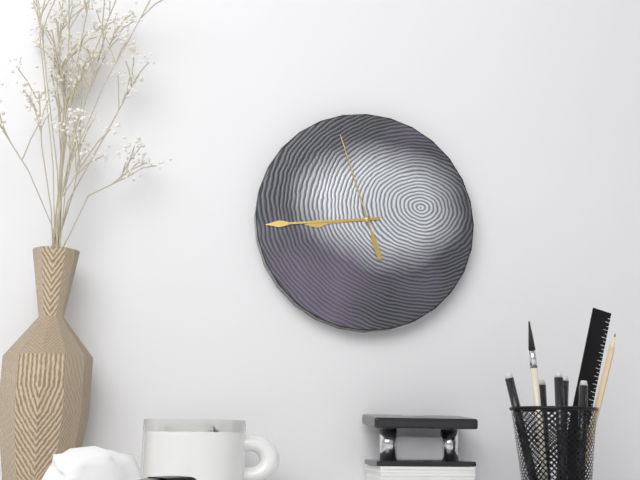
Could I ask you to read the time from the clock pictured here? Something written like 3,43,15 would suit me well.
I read 8,44,57
